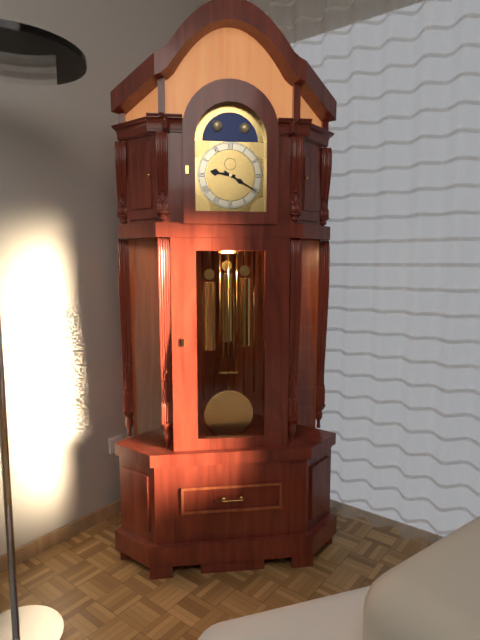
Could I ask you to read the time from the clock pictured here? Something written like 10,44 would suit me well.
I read 9,20
